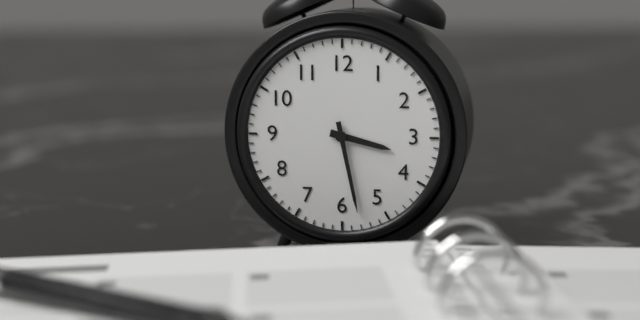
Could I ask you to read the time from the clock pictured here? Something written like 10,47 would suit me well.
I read 3,28
